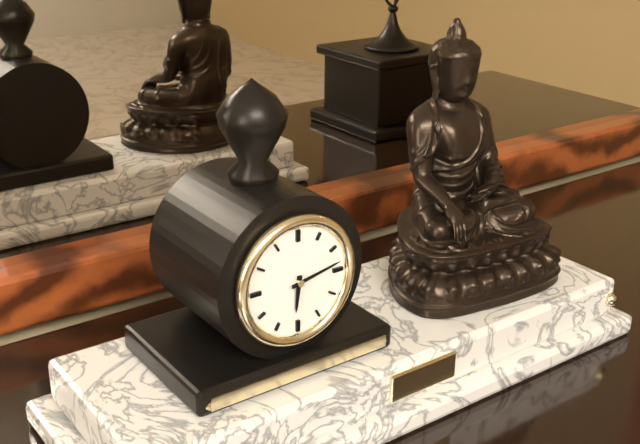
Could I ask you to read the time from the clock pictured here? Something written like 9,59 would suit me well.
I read 6,13
